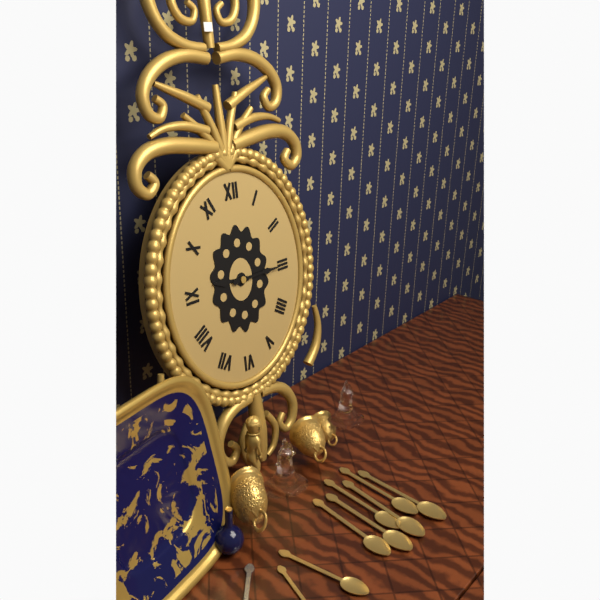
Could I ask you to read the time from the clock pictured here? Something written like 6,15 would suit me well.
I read 9,15
